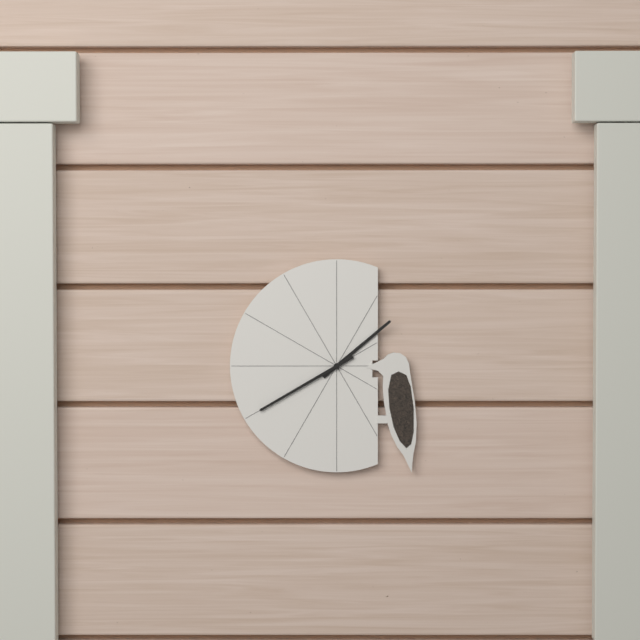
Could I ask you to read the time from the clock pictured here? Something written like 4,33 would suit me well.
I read 1,40
